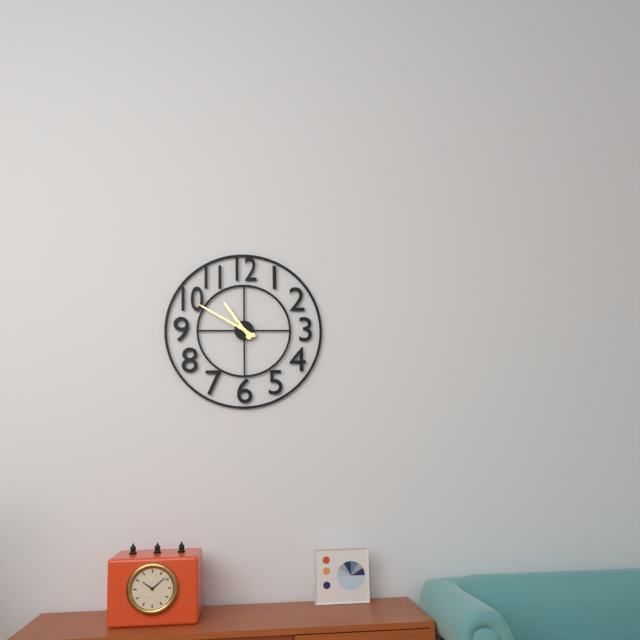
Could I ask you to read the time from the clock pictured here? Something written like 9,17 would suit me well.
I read 10,50
